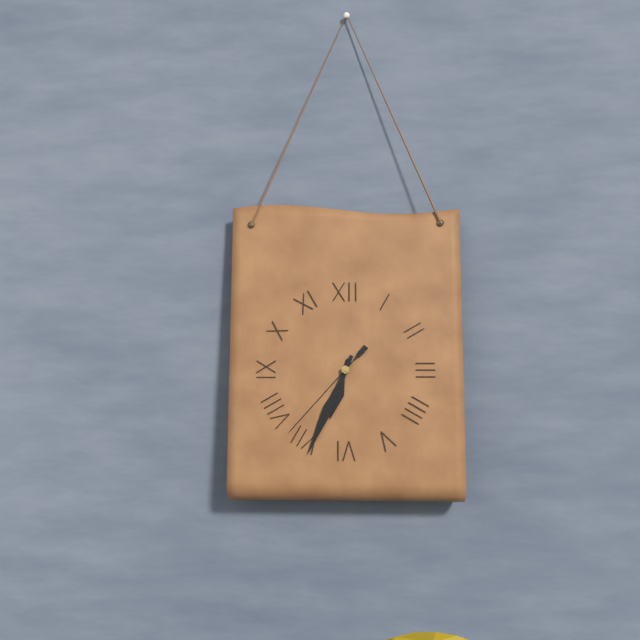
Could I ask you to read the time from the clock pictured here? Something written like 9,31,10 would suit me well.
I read 6,34,37
